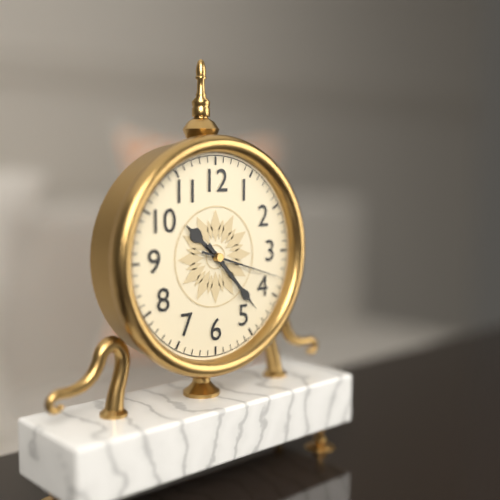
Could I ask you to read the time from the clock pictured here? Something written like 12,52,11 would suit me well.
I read 10,23,18
